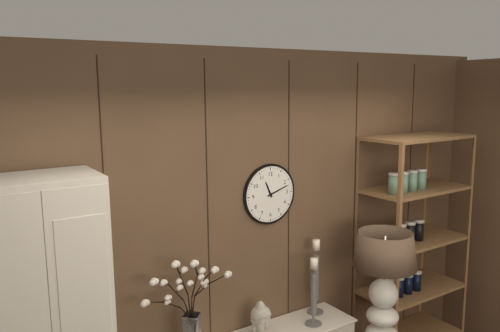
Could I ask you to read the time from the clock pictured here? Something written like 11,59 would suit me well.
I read 11,12
